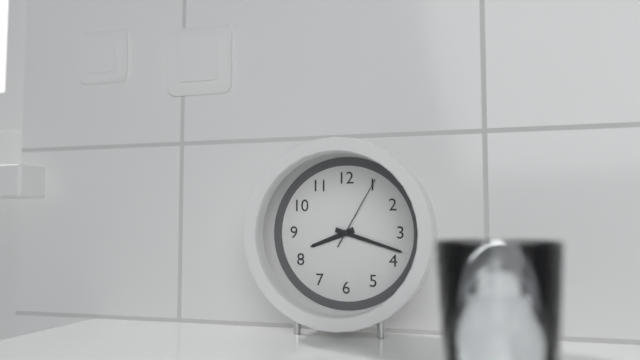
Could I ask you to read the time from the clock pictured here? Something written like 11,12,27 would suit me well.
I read 8,18,05
